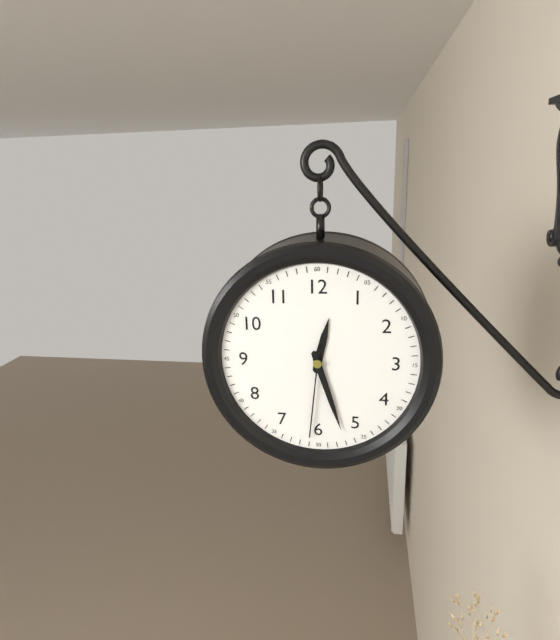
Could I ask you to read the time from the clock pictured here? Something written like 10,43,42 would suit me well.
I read 12,27,31
